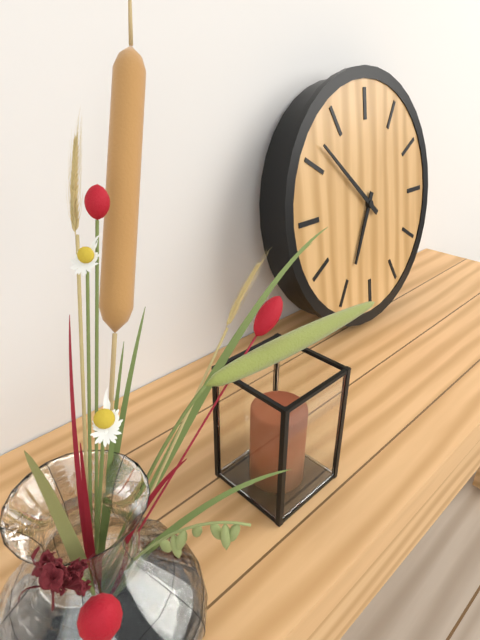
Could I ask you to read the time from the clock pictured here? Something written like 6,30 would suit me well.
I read 6,52
